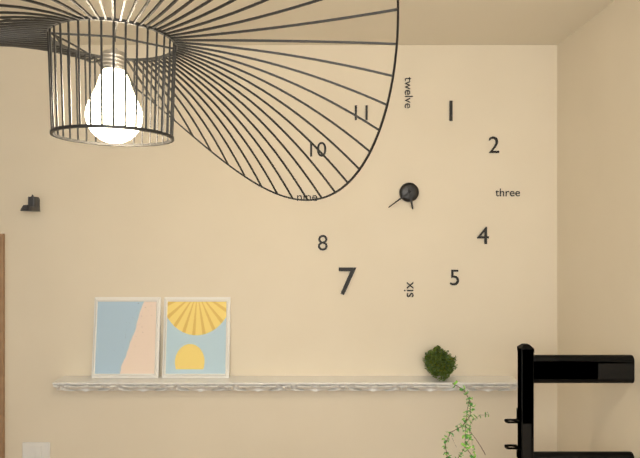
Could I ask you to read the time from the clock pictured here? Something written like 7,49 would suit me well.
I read 5,39
